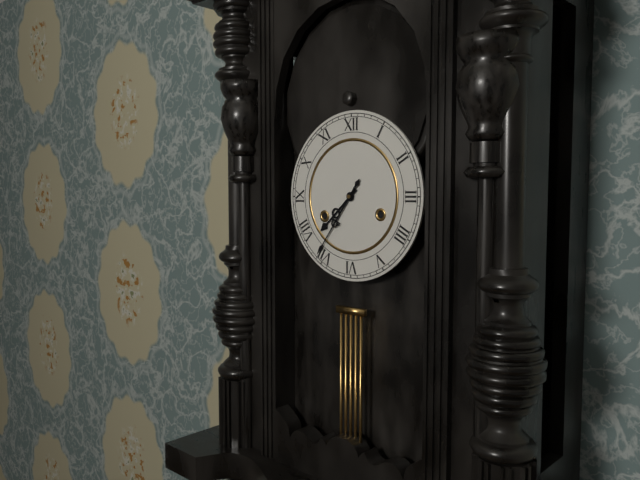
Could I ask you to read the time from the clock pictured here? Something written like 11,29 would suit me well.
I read 7,36
